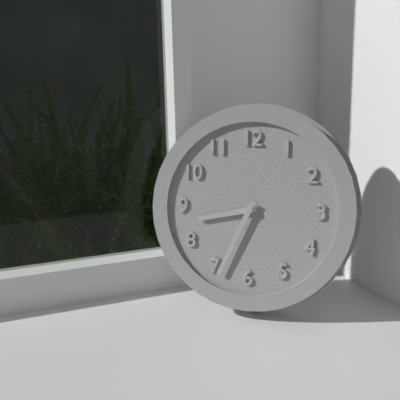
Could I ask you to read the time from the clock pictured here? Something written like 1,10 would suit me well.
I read 8,34
